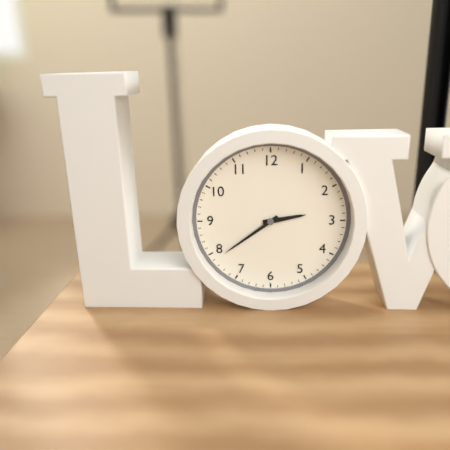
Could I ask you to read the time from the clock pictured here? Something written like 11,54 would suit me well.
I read 2,39
